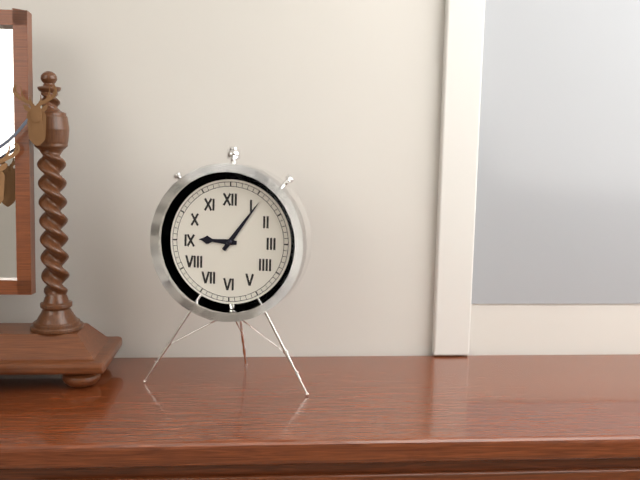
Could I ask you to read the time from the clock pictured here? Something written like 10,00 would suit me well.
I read 9,06
